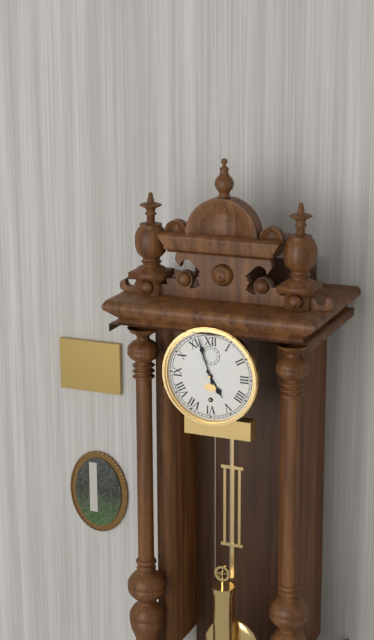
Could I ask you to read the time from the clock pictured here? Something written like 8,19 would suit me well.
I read 4,57
